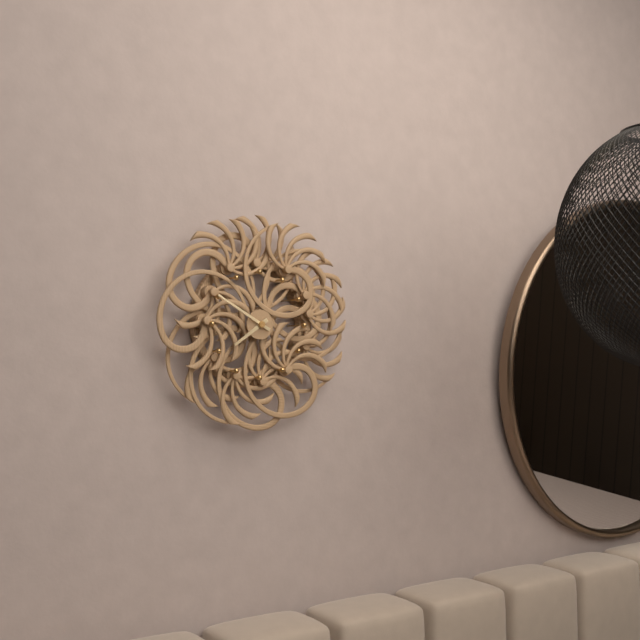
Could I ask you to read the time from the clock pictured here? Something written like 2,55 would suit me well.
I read 7,50
